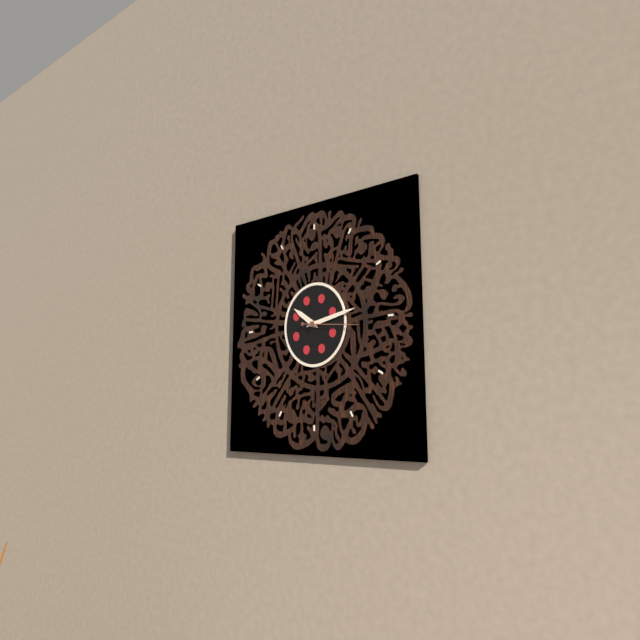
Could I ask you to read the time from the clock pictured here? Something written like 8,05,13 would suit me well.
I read 10,13,16
